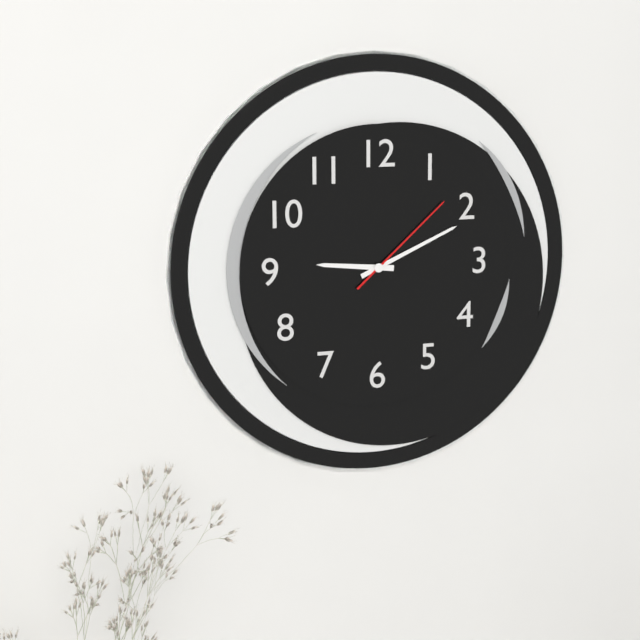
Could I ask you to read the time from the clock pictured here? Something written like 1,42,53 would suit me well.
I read 9,11,08
